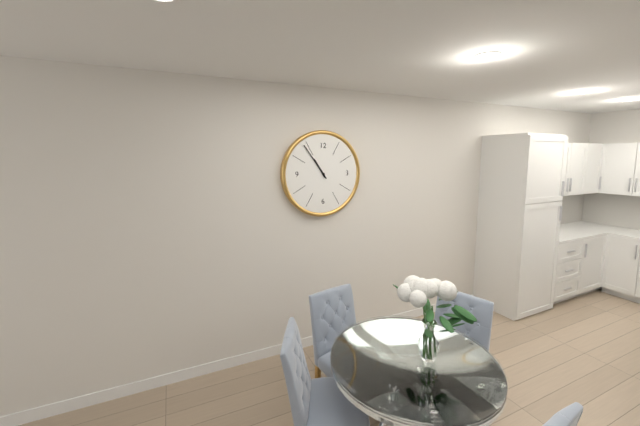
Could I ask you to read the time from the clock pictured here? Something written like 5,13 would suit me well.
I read 10,54
